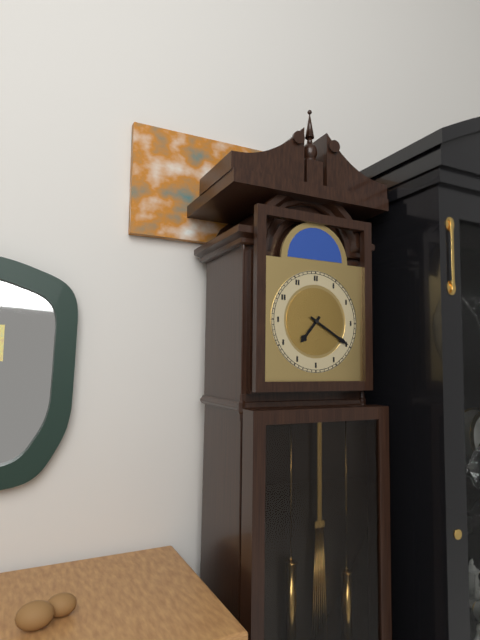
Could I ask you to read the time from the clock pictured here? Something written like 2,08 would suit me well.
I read 7,20
